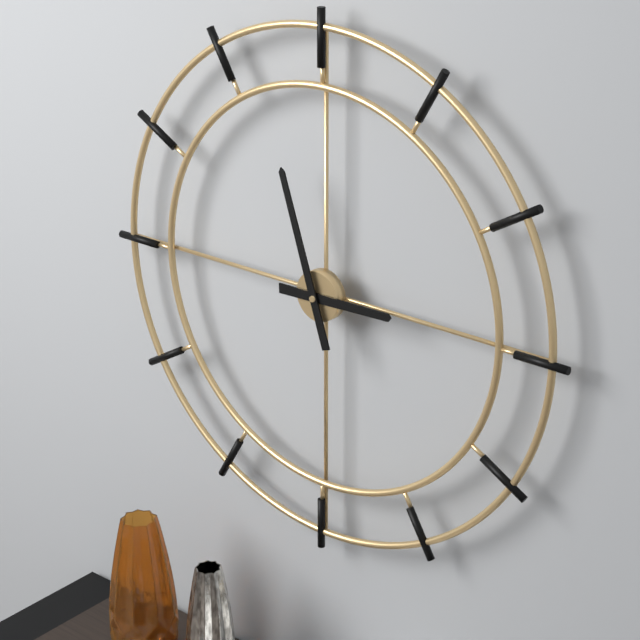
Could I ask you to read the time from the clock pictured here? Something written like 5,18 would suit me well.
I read 2,57
